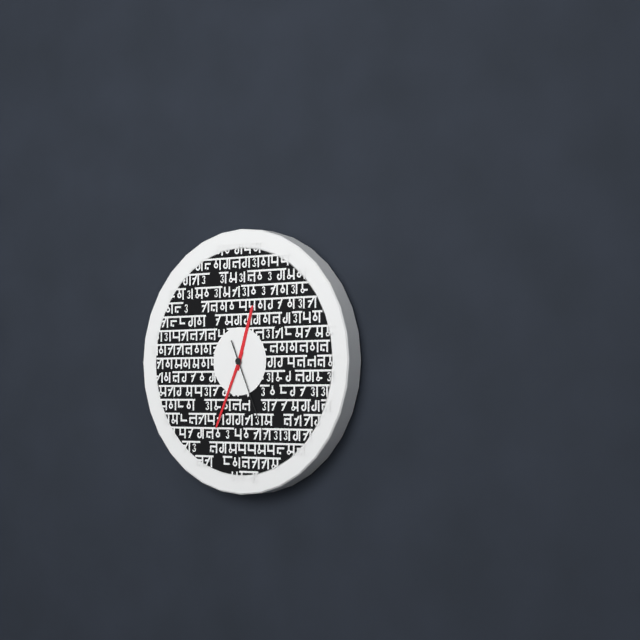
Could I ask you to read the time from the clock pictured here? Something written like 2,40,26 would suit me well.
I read 12,34,26
